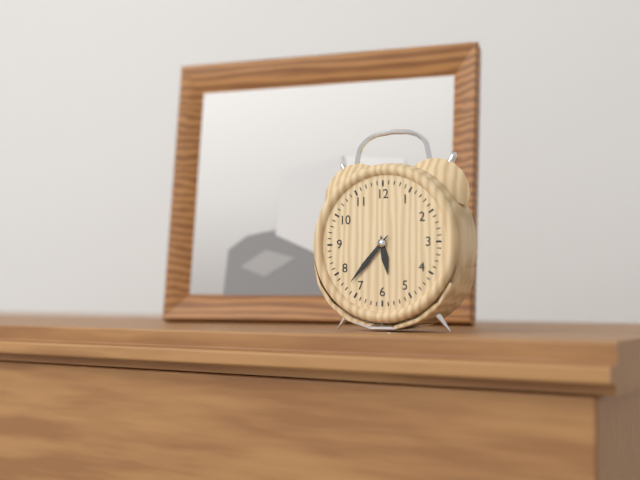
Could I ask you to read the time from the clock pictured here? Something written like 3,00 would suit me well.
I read 5,37
